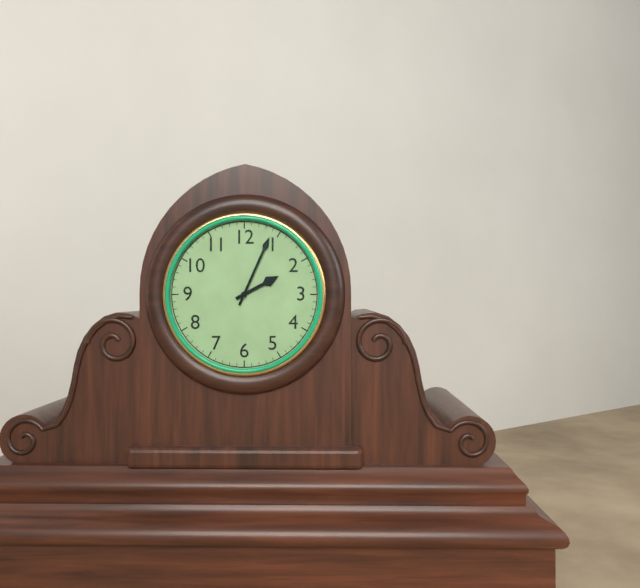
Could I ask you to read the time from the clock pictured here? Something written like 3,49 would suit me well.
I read 2,04
